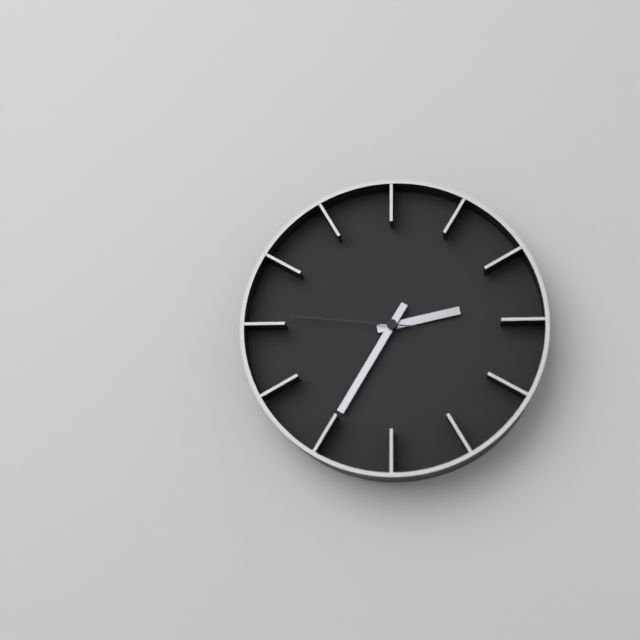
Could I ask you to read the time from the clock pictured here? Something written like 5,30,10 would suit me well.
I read 2,35,46
